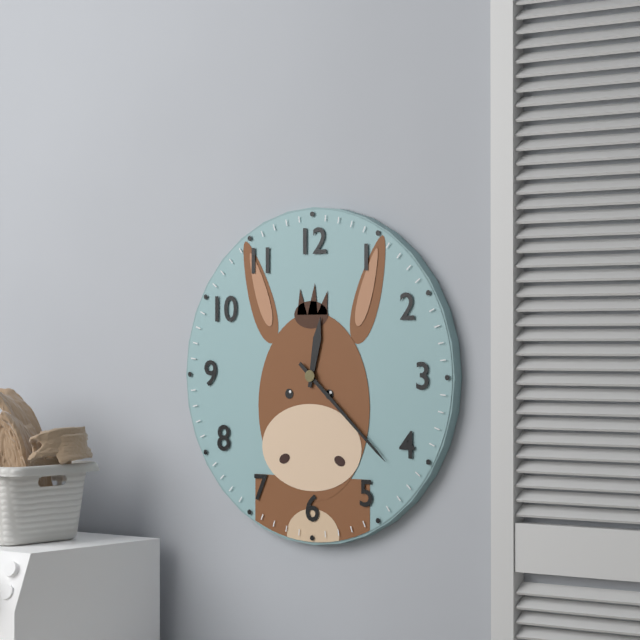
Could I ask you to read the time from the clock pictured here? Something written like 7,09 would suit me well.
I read 12,22
